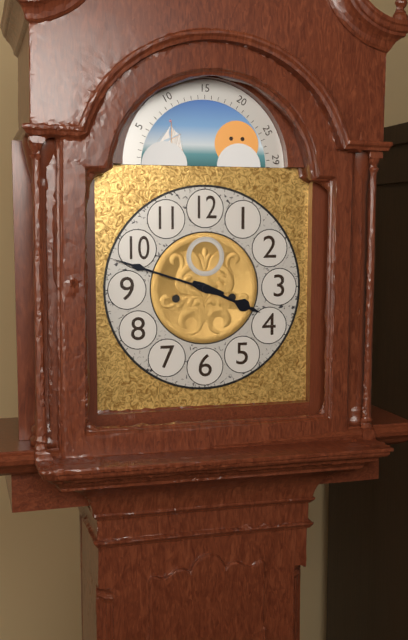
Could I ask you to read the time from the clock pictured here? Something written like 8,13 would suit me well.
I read 3,48
